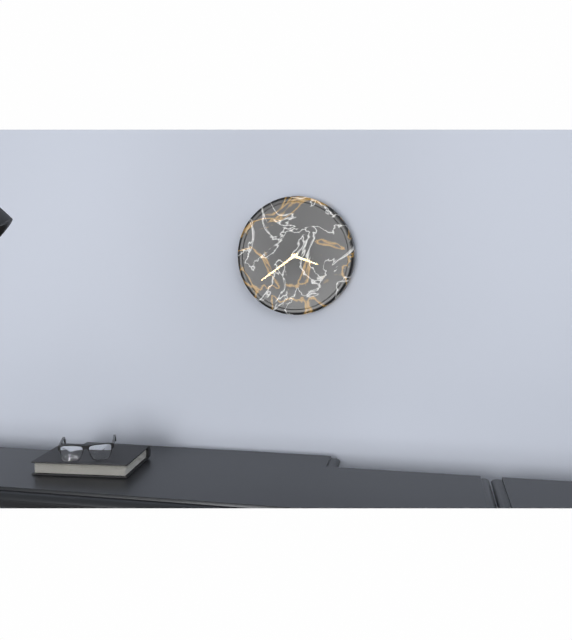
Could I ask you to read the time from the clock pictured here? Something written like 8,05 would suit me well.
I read 3,39
